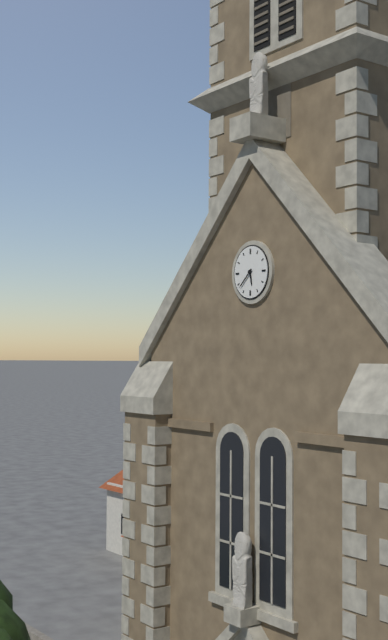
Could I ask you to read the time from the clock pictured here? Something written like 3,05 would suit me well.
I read 5,38
